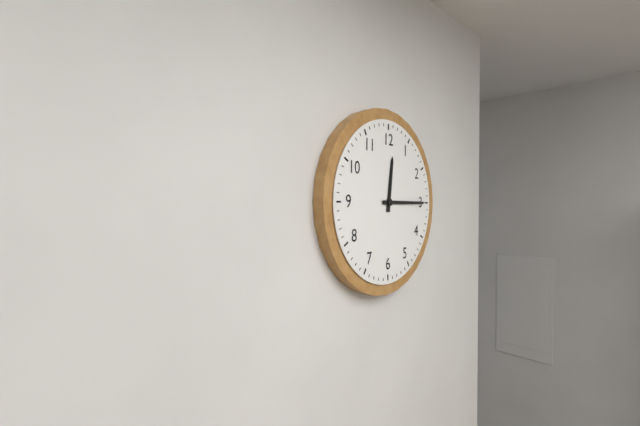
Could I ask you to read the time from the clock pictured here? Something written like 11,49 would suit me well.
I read 12,15
